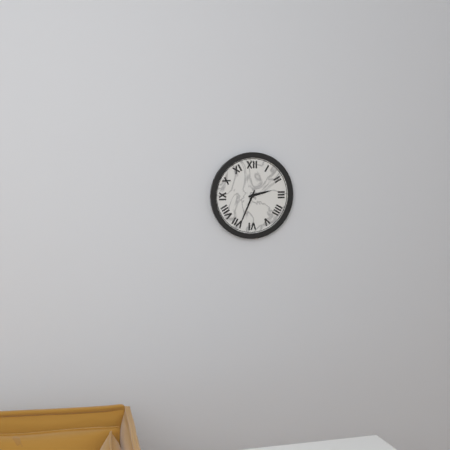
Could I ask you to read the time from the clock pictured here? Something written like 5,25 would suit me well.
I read 2,34
